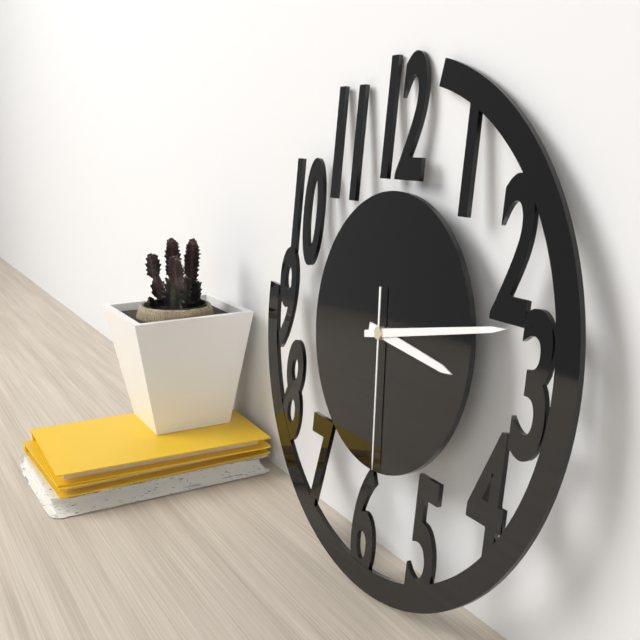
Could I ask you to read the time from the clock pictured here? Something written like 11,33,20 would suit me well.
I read 3,13,29
